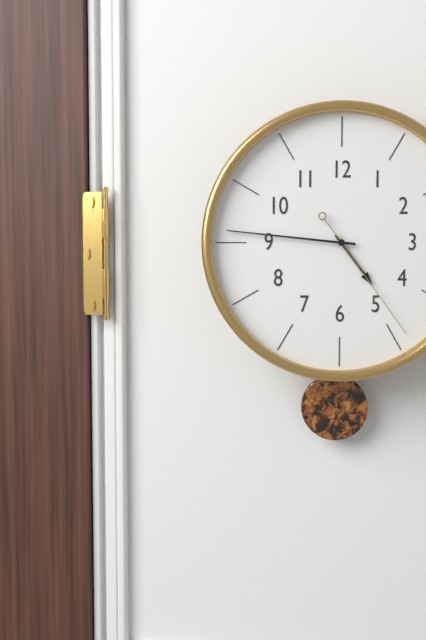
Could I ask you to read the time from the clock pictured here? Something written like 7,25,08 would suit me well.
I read 4,46,24
